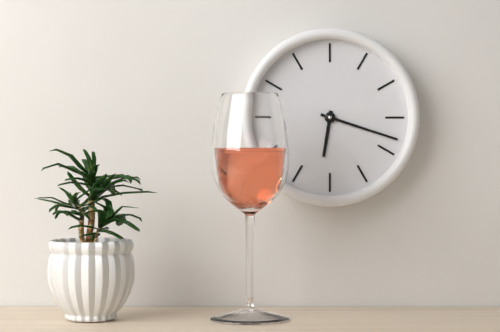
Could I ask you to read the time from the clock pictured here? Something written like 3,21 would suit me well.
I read 6,18
